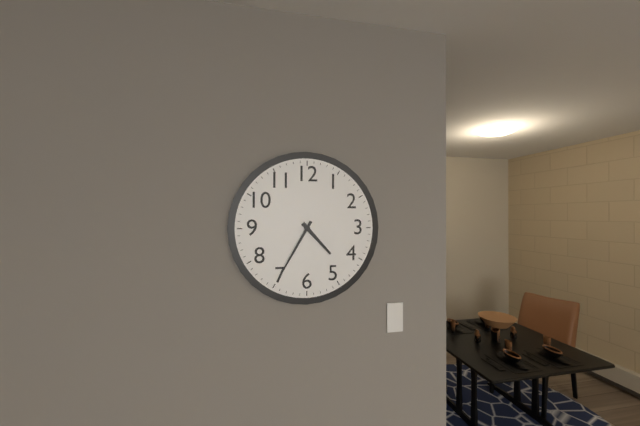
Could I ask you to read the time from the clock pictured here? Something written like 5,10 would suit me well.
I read 4,35
